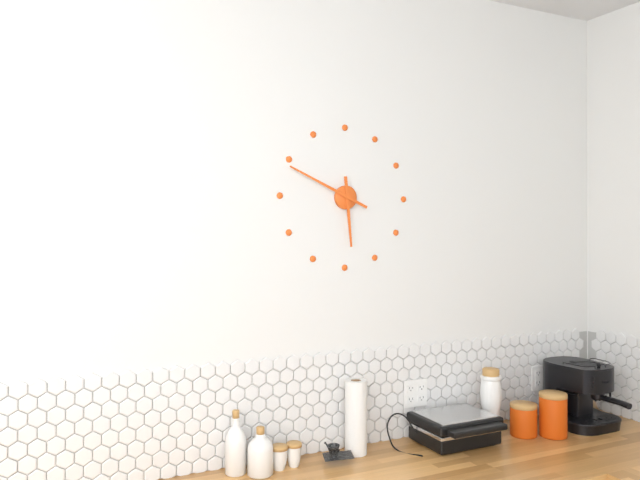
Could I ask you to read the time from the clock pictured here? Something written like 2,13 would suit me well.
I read 5,49
